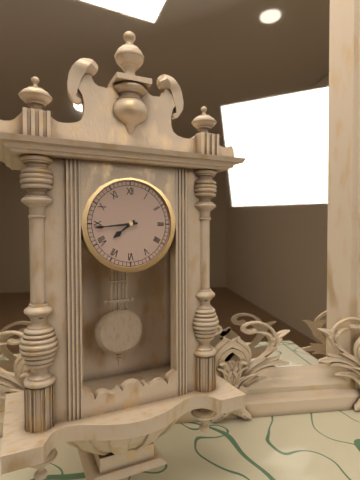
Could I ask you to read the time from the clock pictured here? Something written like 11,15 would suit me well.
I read 7,44
